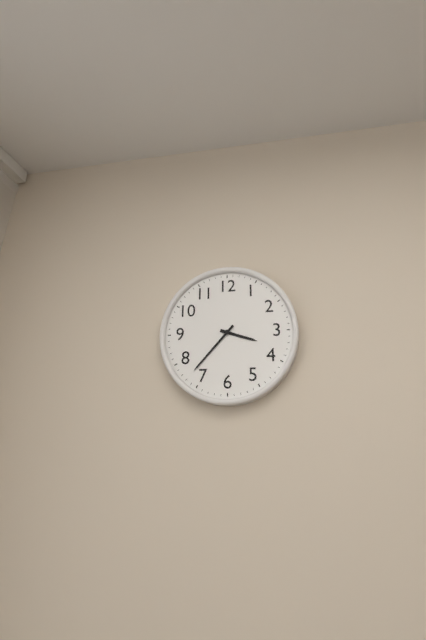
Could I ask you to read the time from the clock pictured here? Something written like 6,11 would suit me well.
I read 3,37
